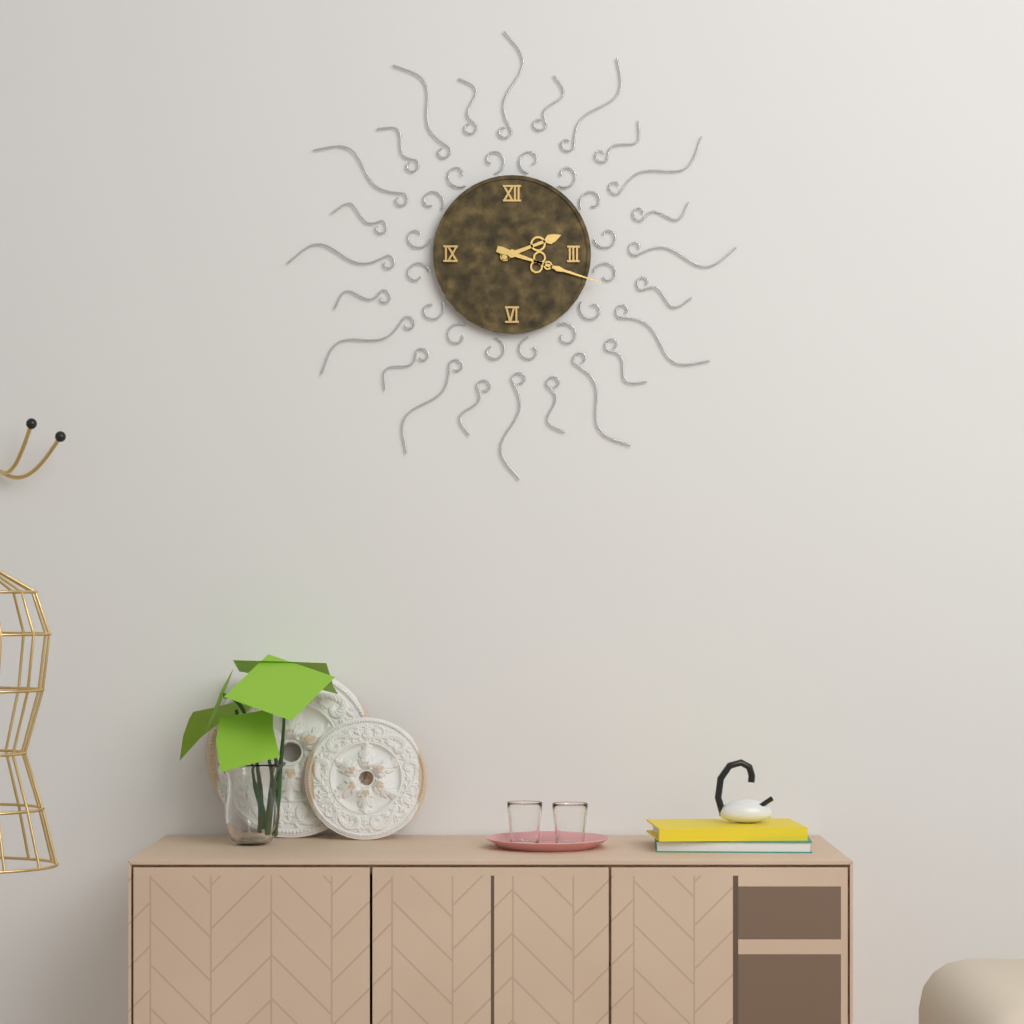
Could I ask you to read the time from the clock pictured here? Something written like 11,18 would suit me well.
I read 2,18
